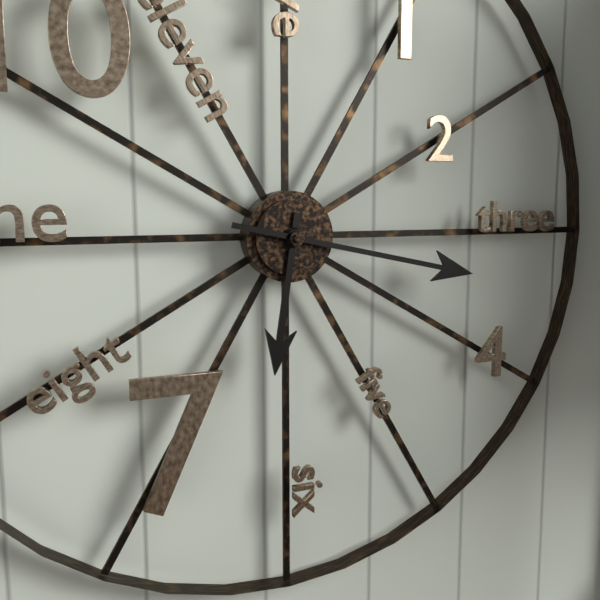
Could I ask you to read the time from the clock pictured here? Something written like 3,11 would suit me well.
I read 6,17
